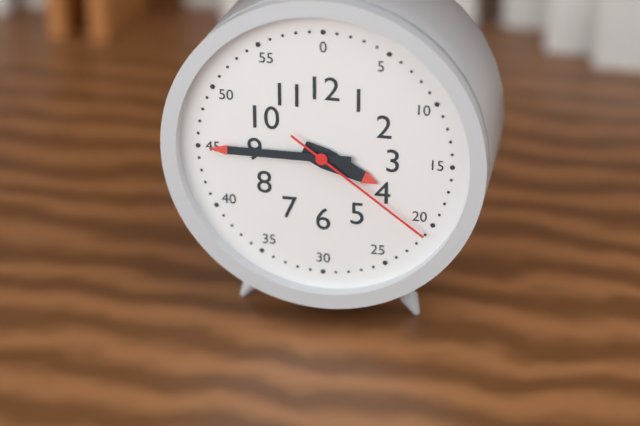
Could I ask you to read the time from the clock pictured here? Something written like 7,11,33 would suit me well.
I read 3,45,21
